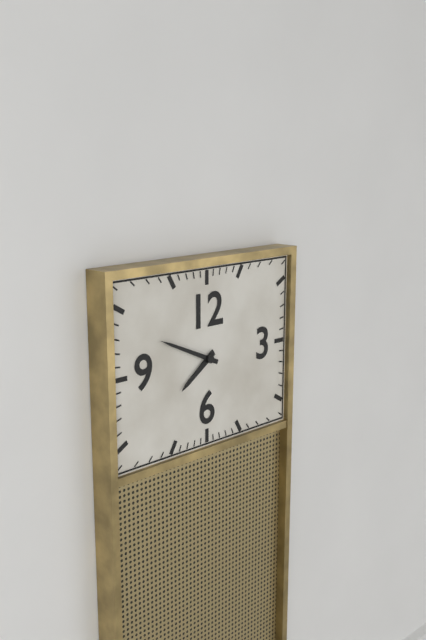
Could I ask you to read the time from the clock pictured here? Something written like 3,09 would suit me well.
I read 7,49
